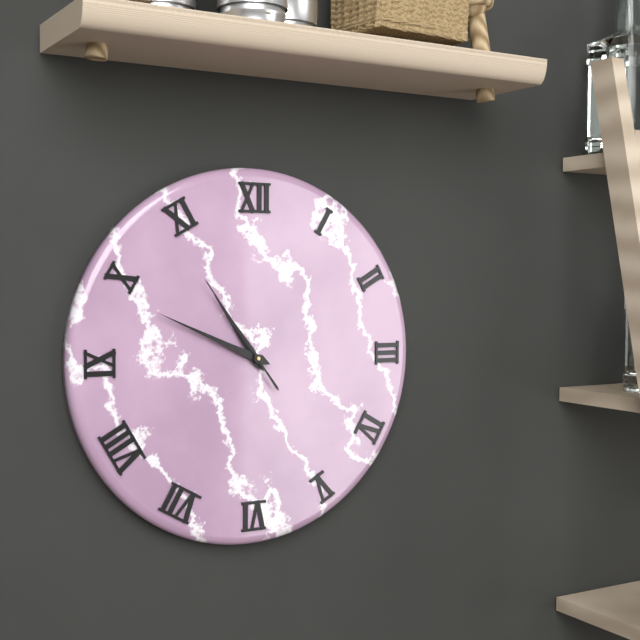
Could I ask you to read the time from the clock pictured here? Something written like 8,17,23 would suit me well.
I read 10,49,54
